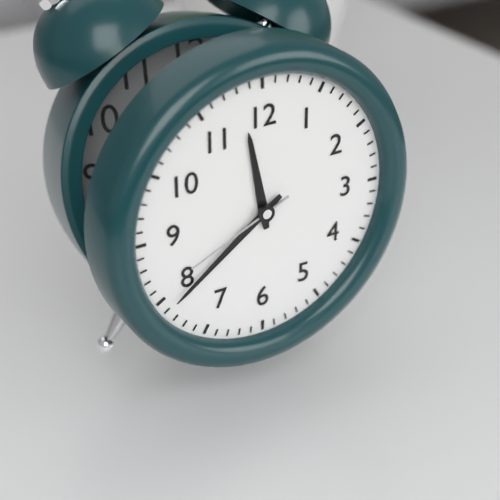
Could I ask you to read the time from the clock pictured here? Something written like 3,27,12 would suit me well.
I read 11,39,41
